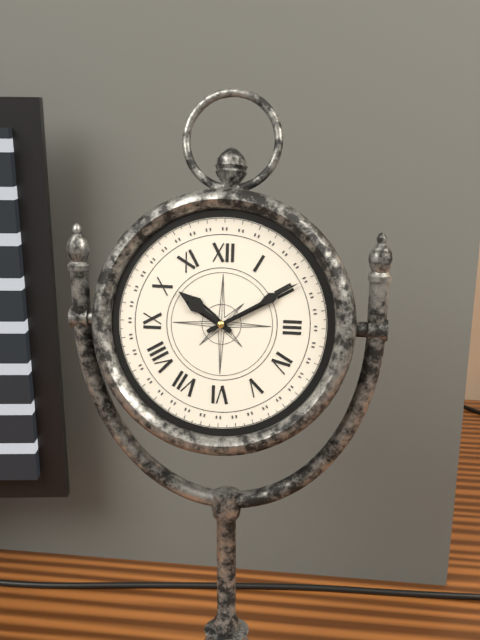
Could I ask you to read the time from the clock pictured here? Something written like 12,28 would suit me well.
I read 10,10
